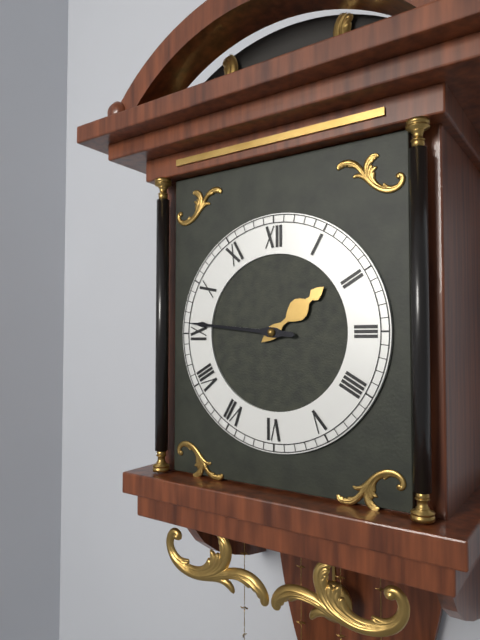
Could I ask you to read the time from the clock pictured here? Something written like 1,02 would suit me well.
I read 1,46
